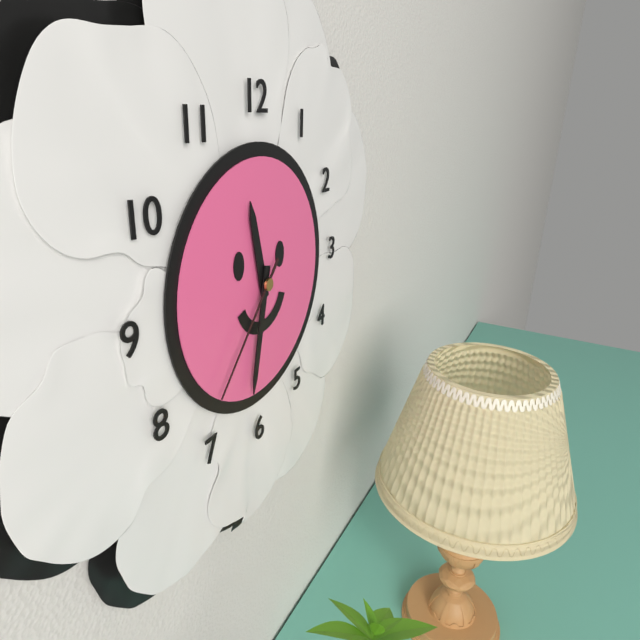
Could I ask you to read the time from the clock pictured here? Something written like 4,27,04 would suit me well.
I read 11,32,37
